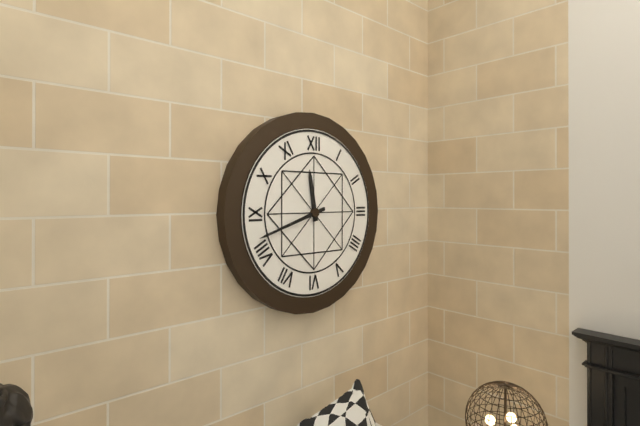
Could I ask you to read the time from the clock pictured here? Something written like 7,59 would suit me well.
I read 11,42
